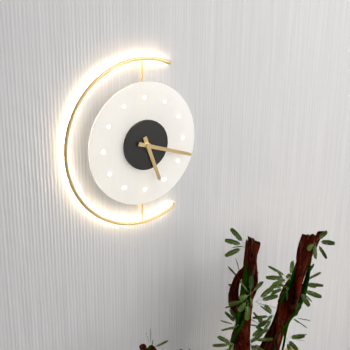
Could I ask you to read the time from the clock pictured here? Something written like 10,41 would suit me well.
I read 5,18
